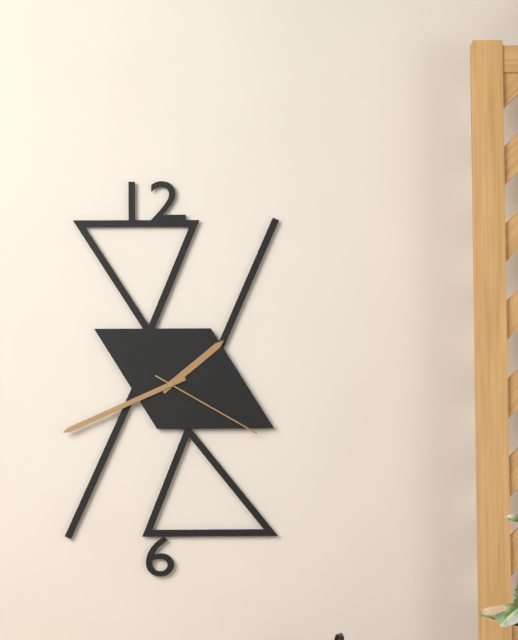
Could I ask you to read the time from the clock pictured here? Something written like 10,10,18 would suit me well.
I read 1,41,20
